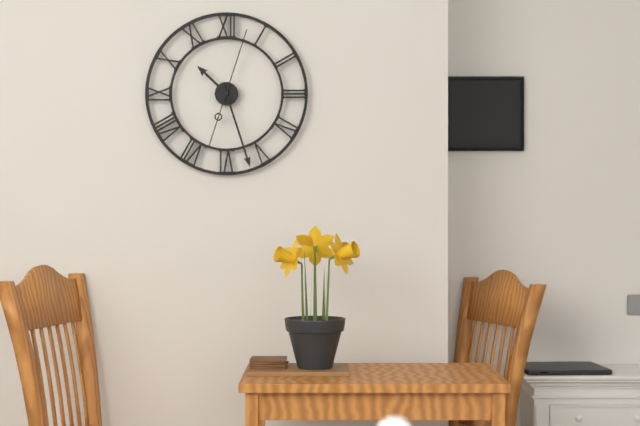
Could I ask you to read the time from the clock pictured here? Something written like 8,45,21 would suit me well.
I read 10,27,03
